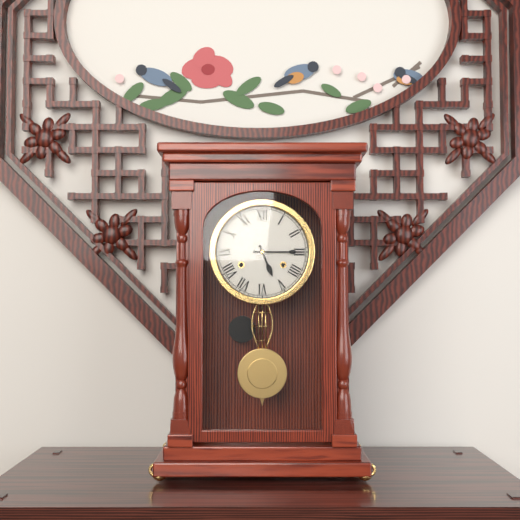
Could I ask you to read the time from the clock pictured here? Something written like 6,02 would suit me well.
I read 5,15
